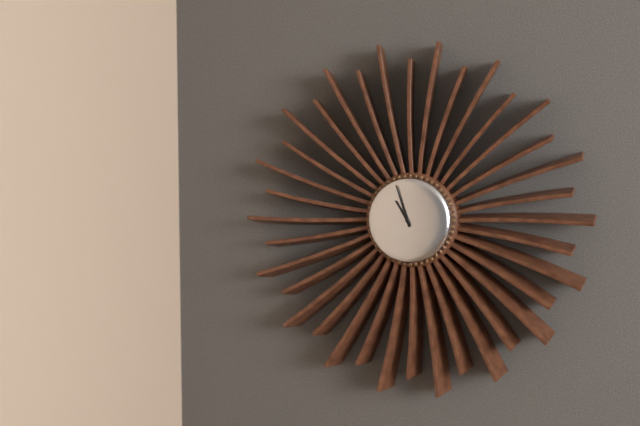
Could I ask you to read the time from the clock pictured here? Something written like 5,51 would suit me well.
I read 10,57
